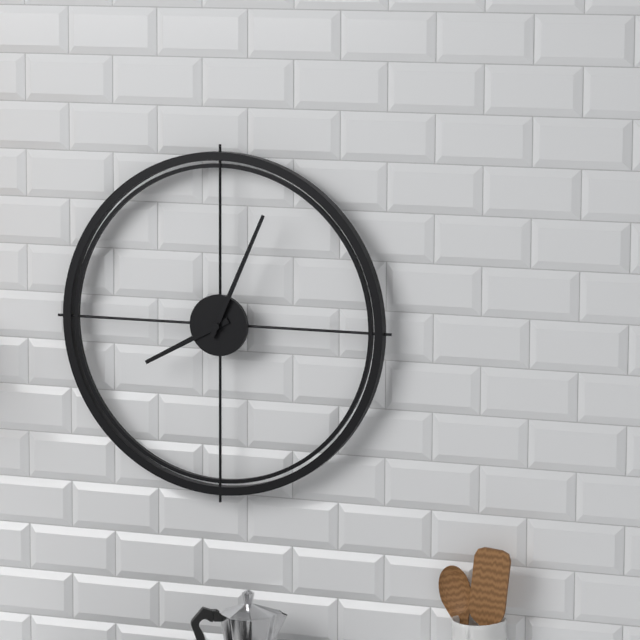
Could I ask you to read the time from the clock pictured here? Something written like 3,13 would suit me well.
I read 8,04
